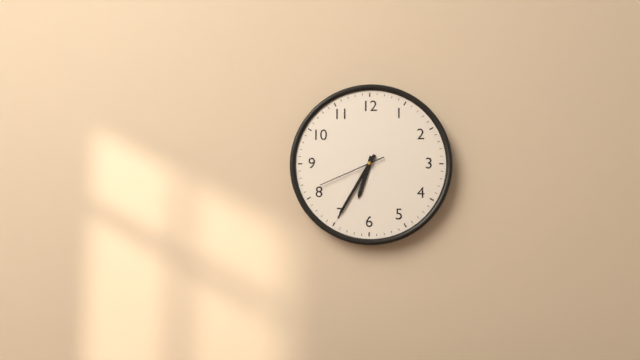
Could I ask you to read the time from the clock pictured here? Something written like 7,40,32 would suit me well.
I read 6,35,41
